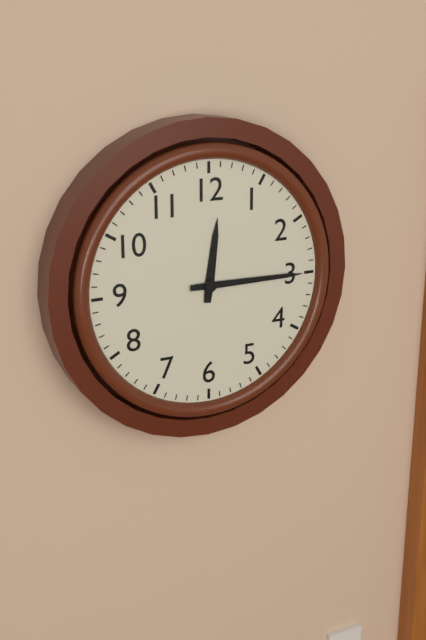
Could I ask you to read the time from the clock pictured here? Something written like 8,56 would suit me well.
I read 12,15
